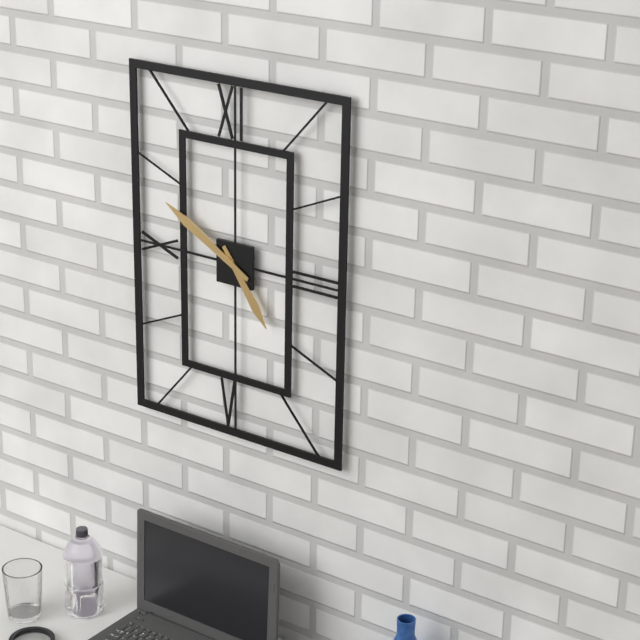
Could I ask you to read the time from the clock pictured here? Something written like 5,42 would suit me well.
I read 4,50
